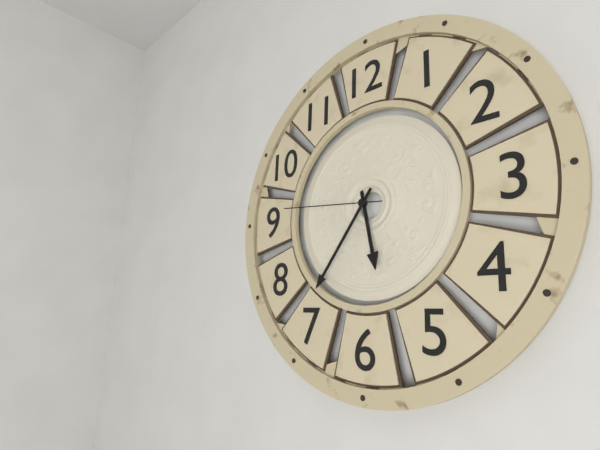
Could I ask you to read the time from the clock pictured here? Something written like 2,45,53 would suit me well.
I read 5,36,46
